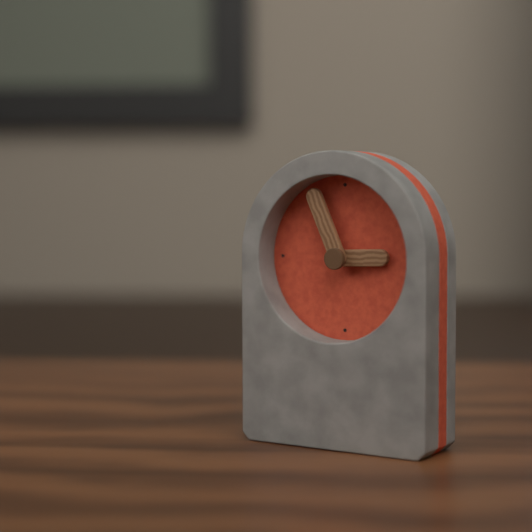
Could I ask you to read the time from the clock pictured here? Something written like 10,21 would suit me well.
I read 2,56
